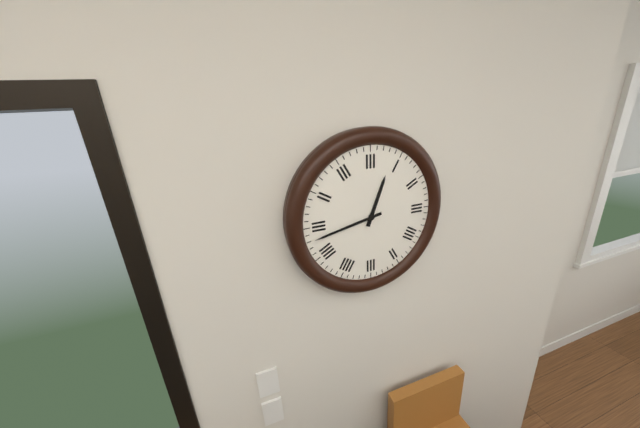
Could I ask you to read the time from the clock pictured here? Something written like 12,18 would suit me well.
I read 12,43
